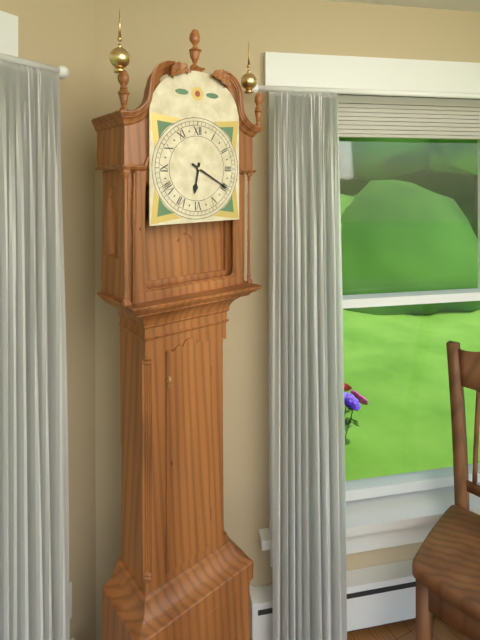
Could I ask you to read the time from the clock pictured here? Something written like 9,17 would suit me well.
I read 6,20
